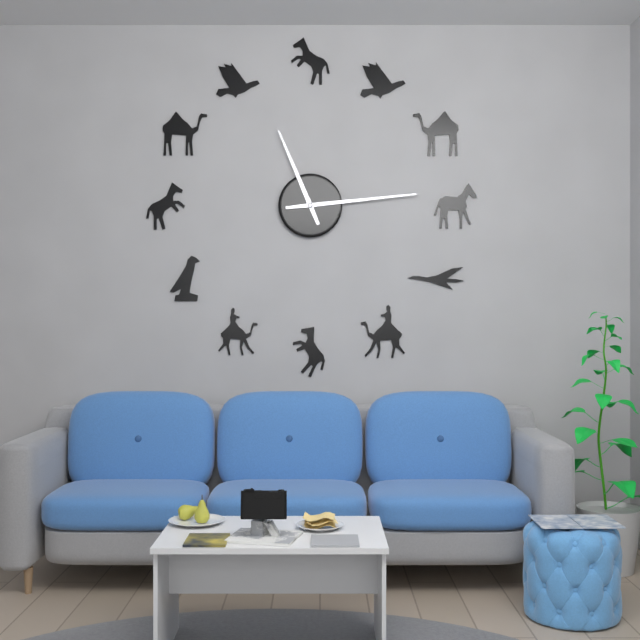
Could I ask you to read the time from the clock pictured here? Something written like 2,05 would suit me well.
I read 11,14
